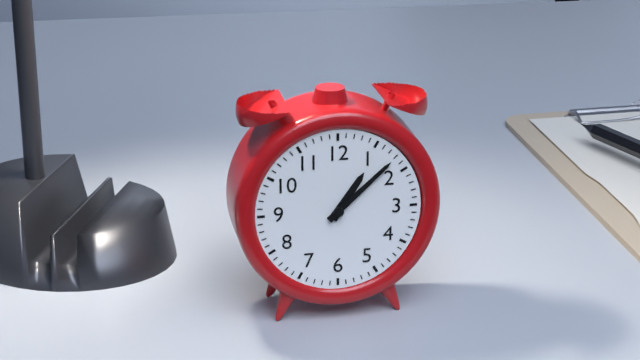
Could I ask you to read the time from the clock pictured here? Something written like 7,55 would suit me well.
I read 1,08
